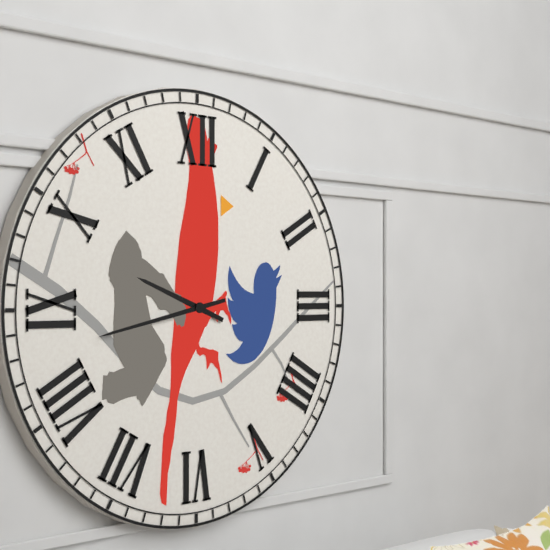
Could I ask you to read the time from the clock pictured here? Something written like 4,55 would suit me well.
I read 9,43
